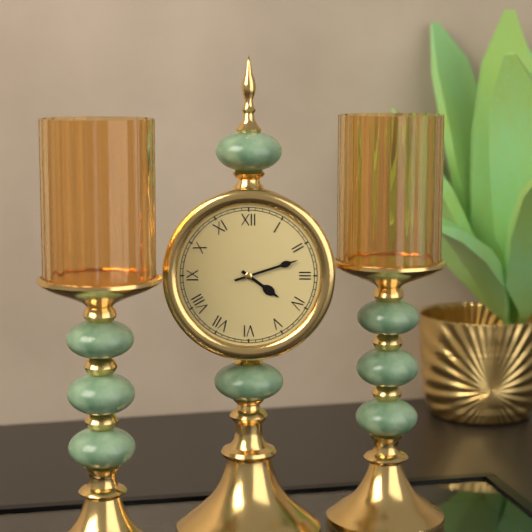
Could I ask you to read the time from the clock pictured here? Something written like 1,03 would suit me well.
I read 4,12
